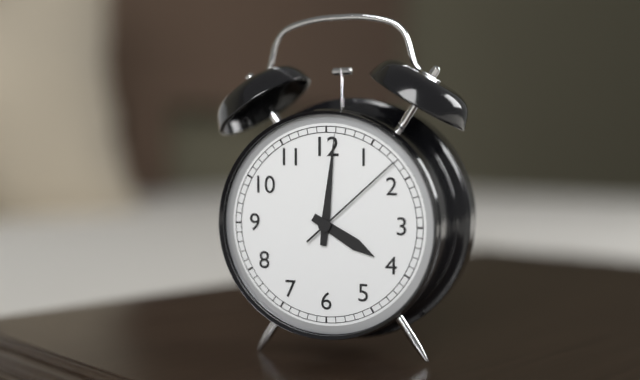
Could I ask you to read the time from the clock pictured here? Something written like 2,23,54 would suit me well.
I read 4,01,08
